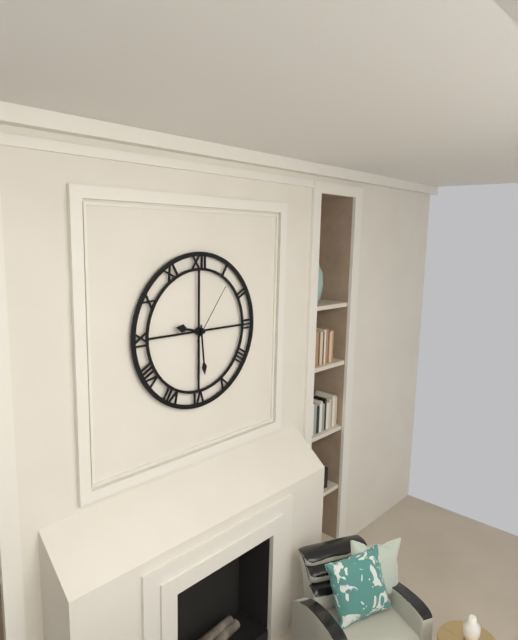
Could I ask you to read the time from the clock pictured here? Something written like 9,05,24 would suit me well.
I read 9,29,06
